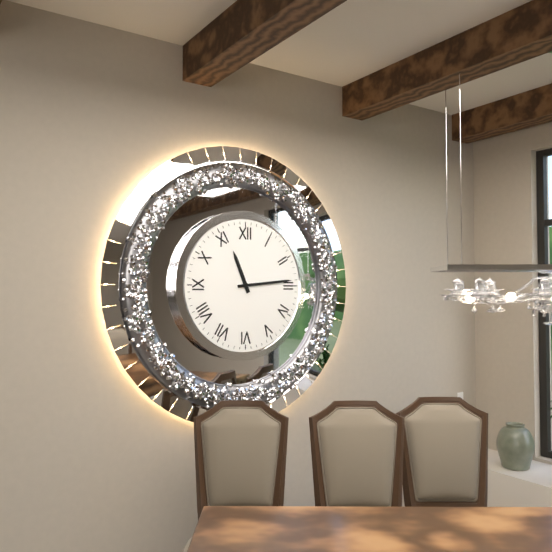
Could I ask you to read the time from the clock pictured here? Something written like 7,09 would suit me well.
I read 11,14
